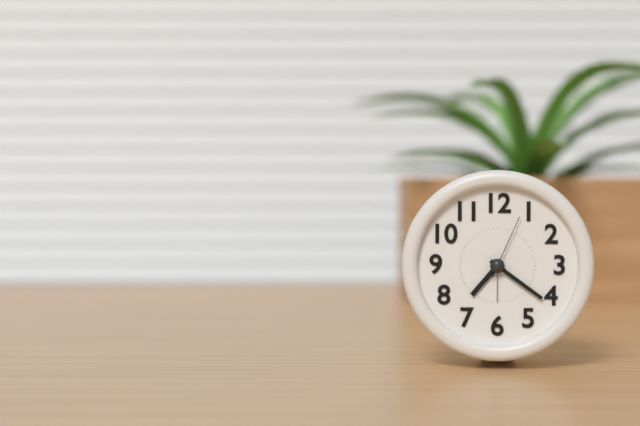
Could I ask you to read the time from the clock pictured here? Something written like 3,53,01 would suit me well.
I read 7,21,04
